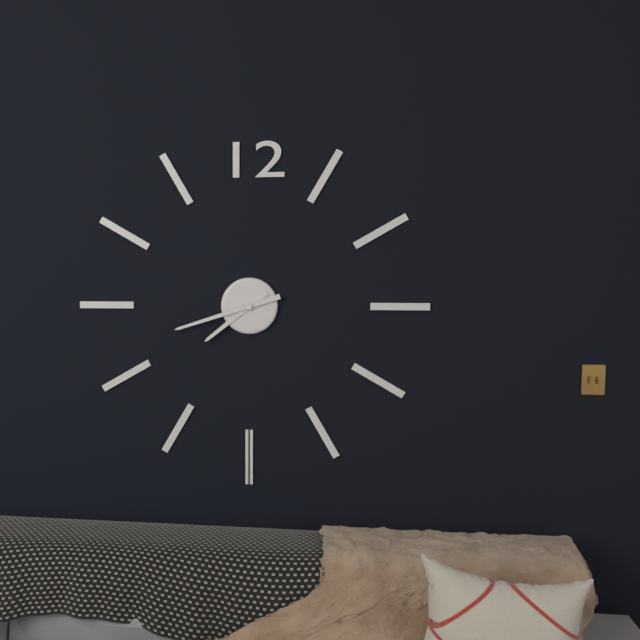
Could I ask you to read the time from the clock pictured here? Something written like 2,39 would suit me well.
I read 7,42
